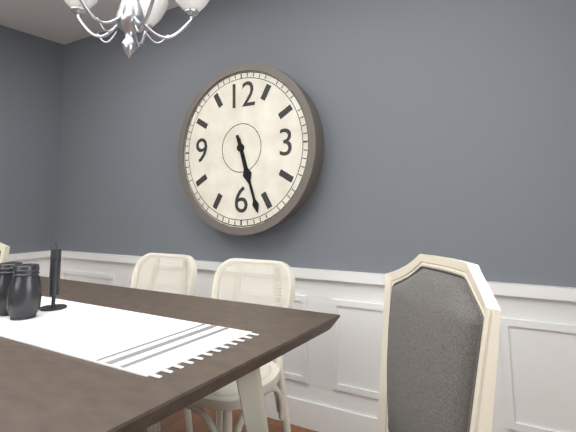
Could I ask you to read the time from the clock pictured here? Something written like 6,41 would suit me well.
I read 5,27
